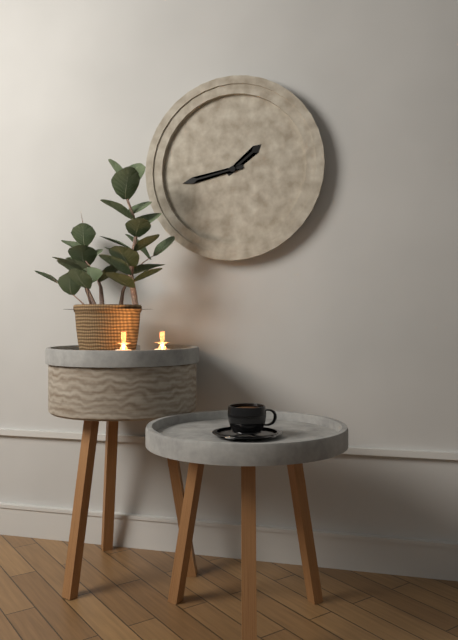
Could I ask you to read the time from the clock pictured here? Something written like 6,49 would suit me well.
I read 1,43
